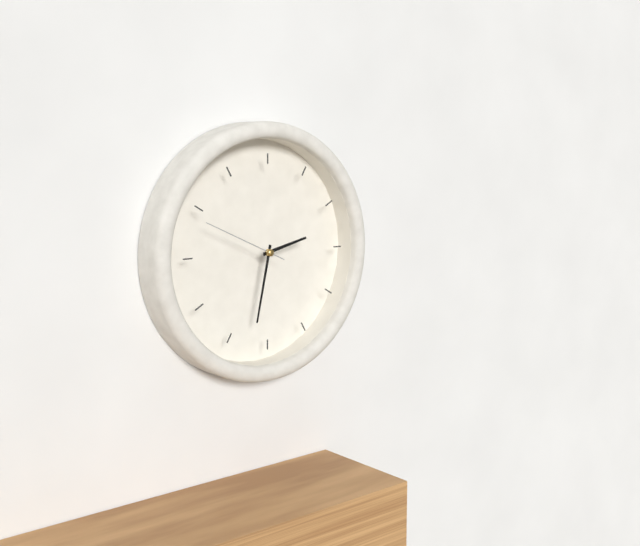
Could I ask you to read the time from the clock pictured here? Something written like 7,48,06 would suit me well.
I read 2,32,49
